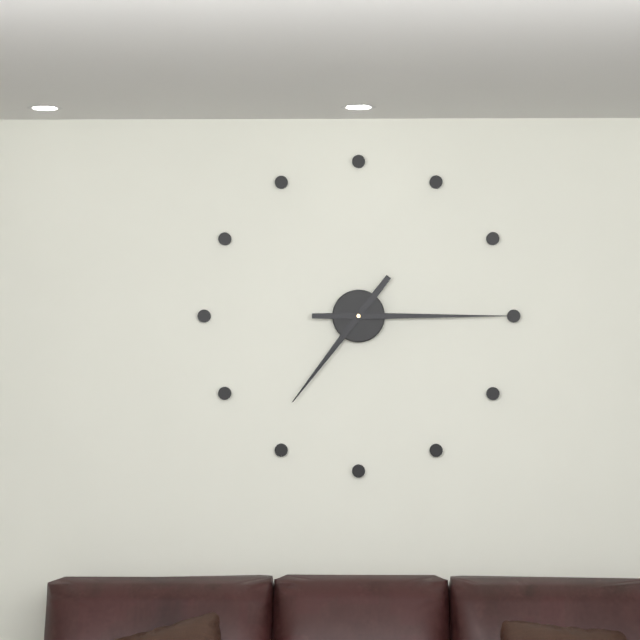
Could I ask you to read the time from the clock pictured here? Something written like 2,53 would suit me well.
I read 7,15
